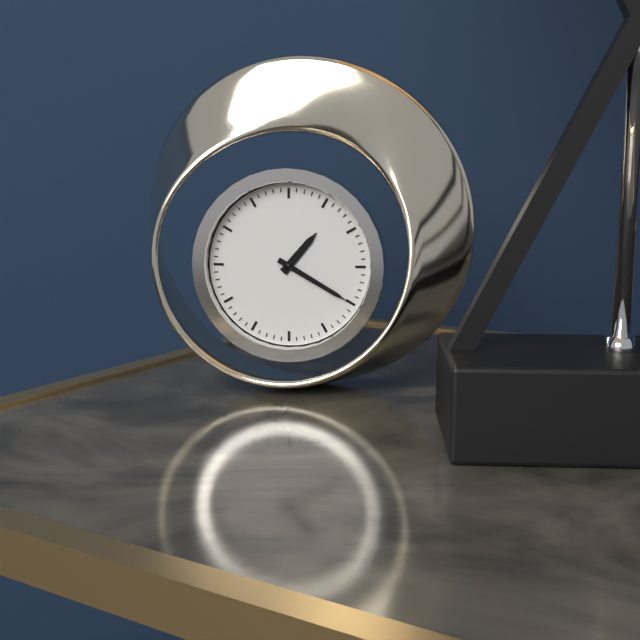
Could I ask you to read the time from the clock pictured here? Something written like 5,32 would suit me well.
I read 1,20
